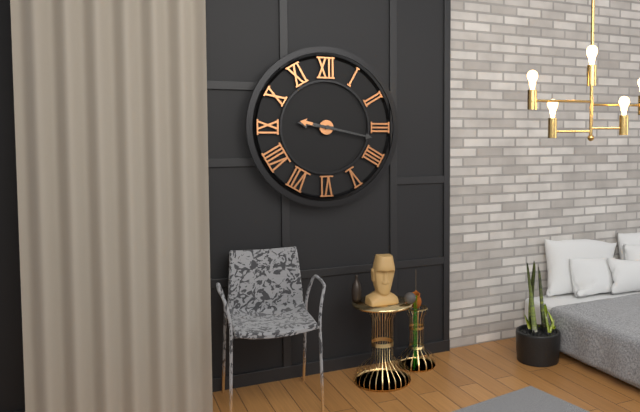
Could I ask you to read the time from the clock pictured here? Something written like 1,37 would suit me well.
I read 9,17
